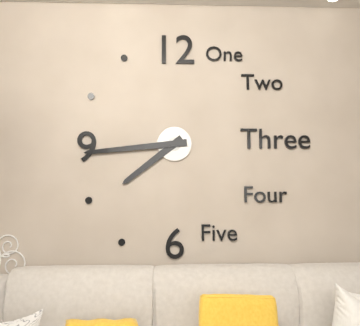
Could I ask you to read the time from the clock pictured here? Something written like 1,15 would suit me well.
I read 7,44
